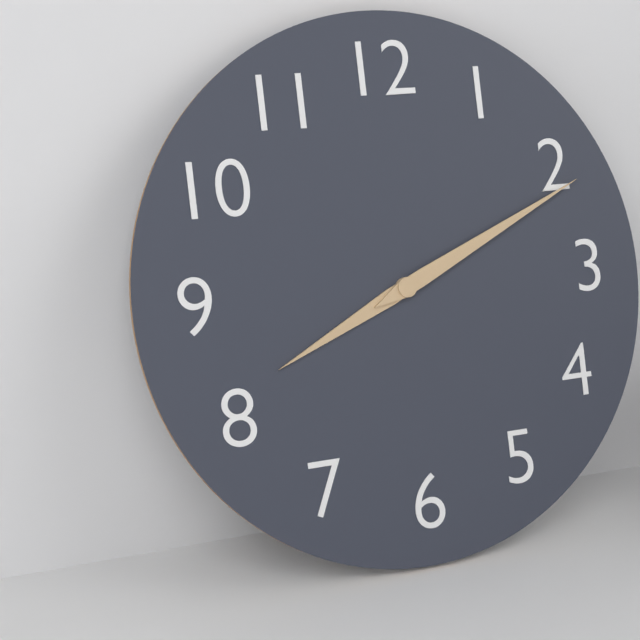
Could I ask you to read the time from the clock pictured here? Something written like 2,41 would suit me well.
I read 8,11
